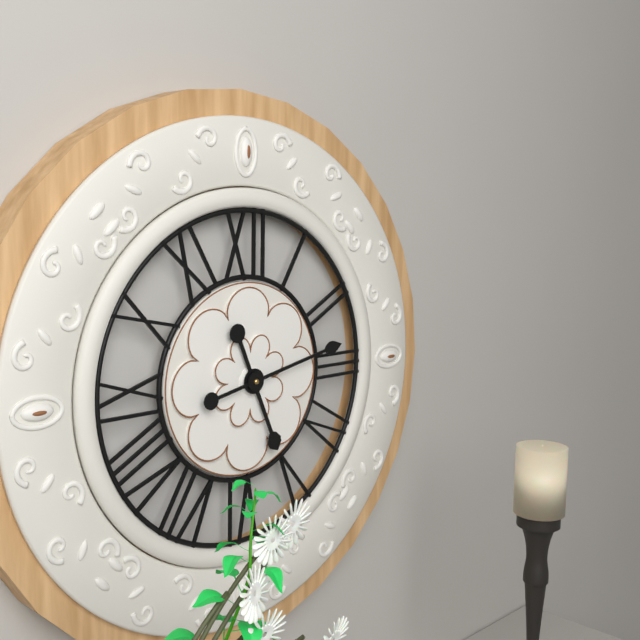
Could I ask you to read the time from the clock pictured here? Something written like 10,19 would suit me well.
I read 5,13
